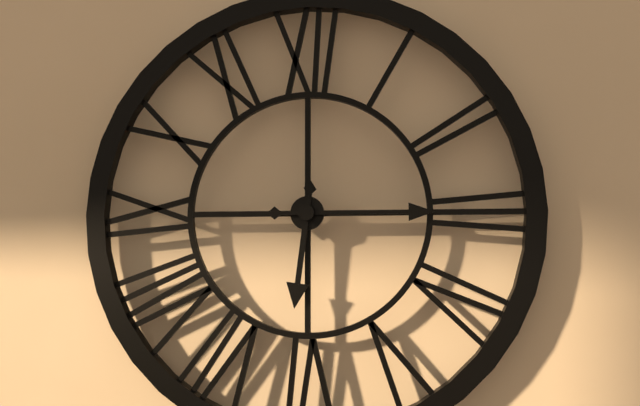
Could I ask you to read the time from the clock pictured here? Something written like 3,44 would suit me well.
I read 6,15
